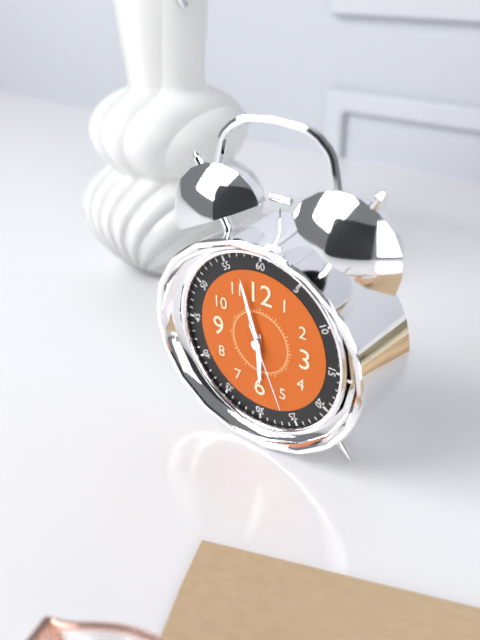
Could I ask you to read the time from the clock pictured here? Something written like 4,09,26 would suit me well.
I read 5,57,26
